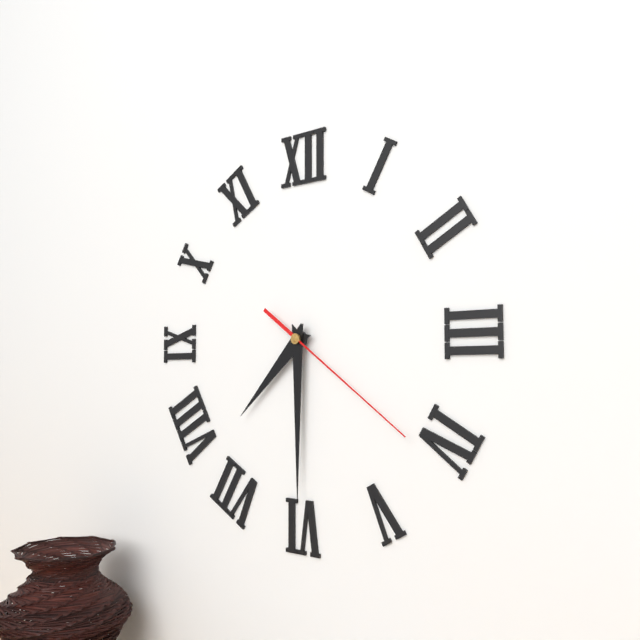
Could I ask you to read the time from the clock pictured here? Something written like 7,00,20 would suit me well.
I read 7,30,21
